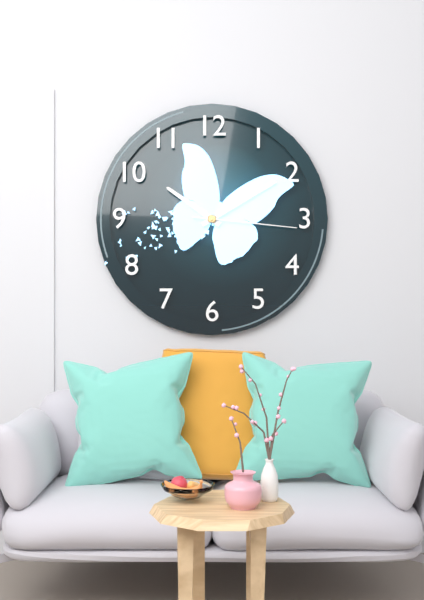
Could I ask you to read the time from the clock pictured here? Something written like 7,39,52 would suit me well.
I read 10,10,16
